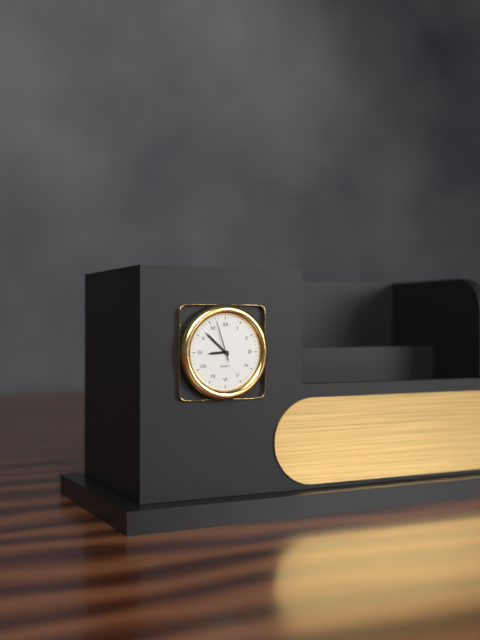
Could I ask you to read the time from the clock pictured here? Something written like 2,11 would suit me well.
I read 8,52
